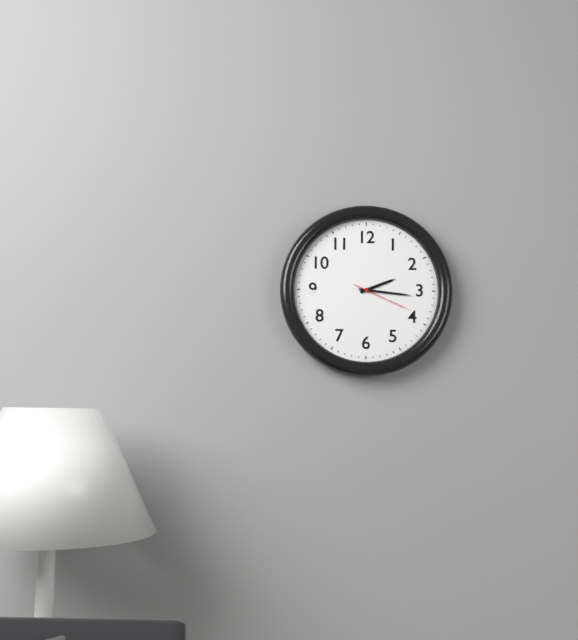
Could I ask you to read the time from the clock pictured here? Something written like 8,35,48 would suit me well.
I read 2,16,19
